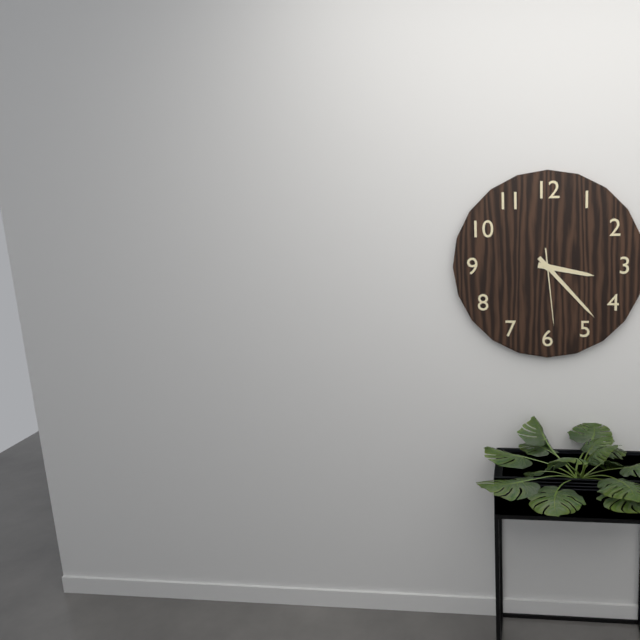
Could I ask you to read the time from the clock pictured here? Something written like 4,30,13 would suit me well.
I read 3,23,29
